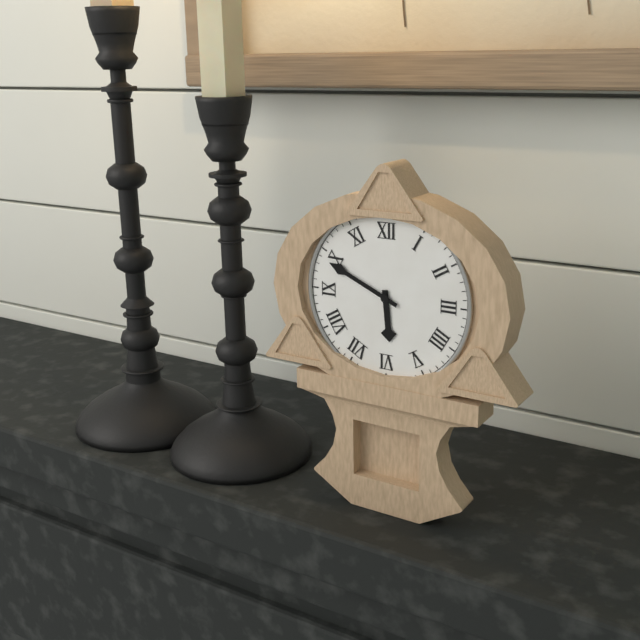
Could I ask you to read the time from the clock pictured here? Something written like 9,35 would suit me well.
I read 5,49
